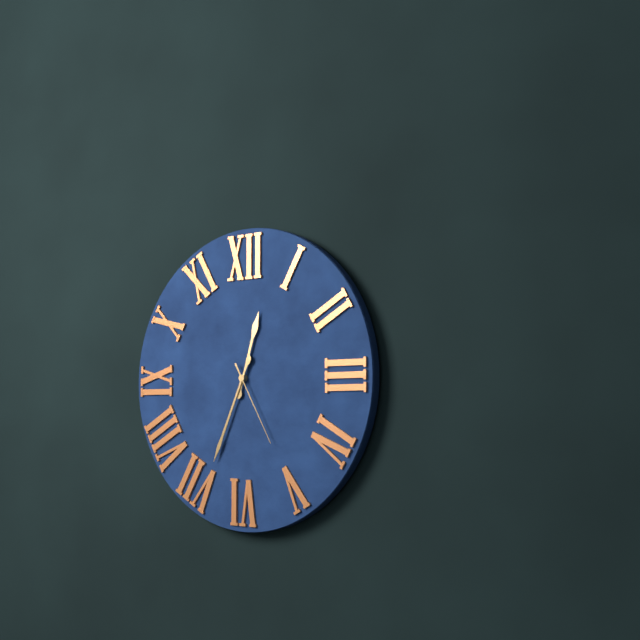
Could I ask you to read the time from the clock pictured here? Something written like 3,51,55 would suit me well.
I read 12,34,25
